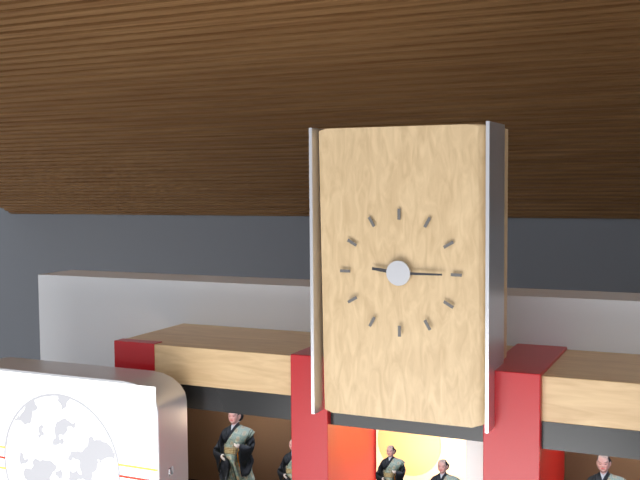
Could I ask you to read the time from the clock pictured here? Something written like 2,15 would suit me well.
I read 9,15
